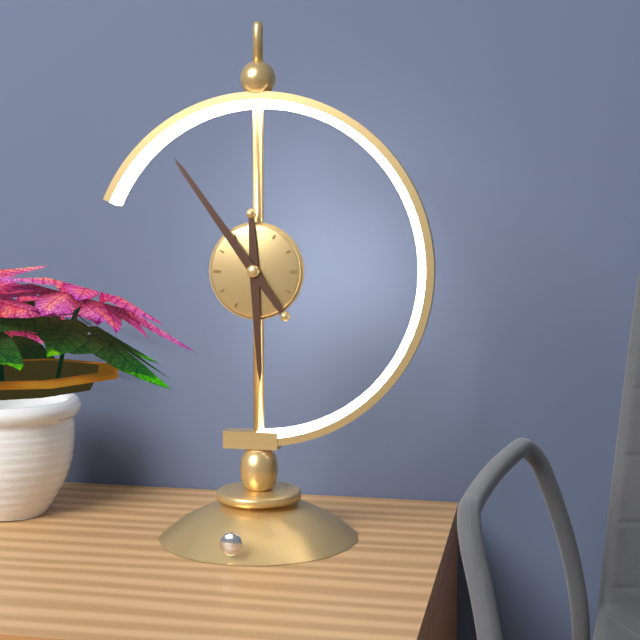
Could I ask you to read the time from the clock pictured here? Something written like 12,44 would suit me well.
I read 5,54
